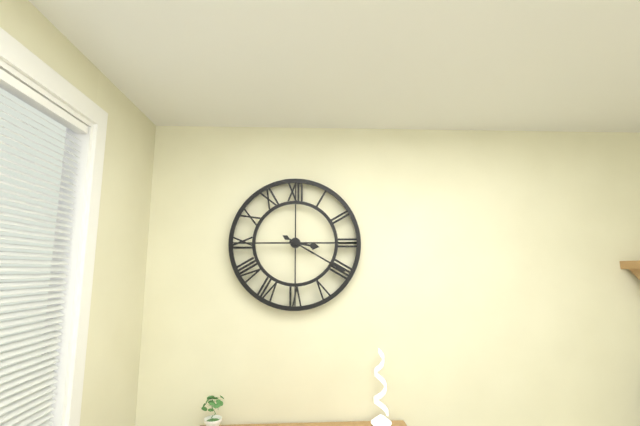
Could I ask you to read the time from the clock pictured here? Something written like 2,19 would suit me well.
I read 3,20
